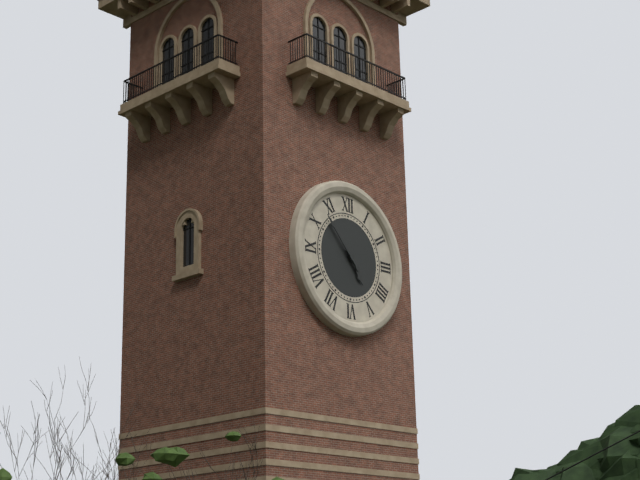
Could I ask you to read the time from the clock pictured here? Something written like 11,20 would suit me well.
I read 4,53
